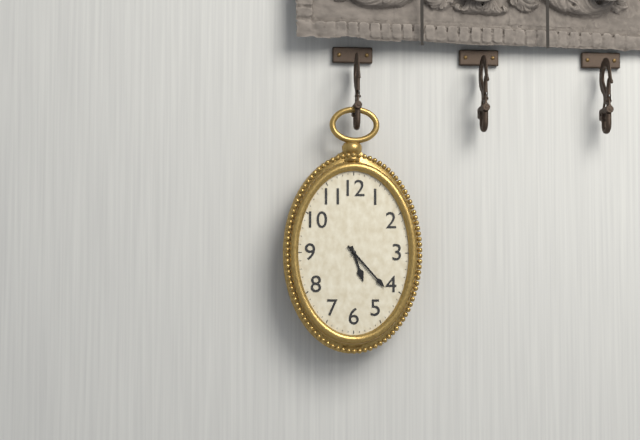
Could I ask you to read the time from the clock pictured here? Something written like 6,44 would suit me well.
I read 5,23
